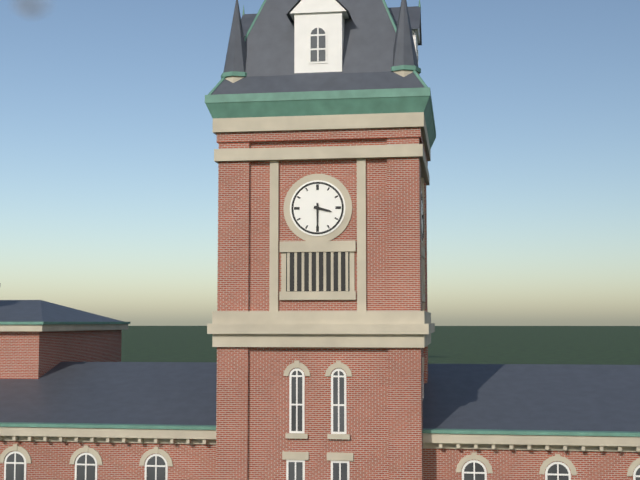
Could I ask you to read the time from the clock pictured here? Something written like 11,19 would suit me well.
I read 3,30
